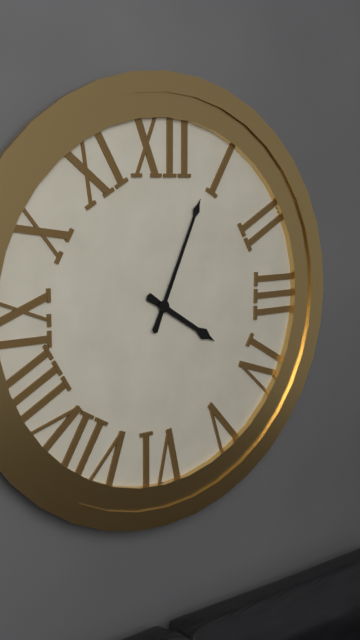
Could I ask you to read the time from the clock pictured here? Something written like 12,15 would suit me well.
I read 4,04
